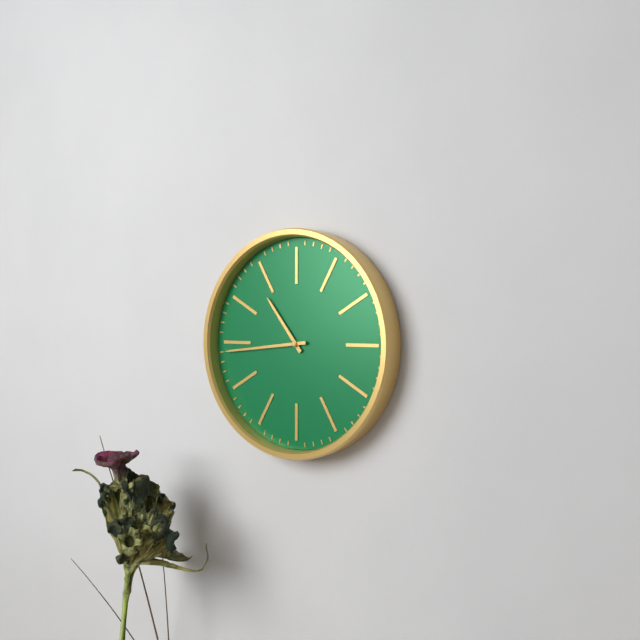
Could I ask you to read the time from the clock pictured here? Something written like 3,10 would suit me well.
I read 10,44
